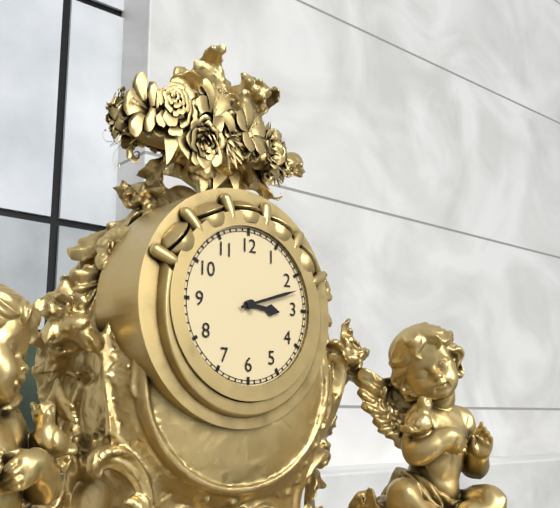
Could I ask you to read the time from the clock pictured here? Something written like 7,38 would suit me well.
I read 3,12
